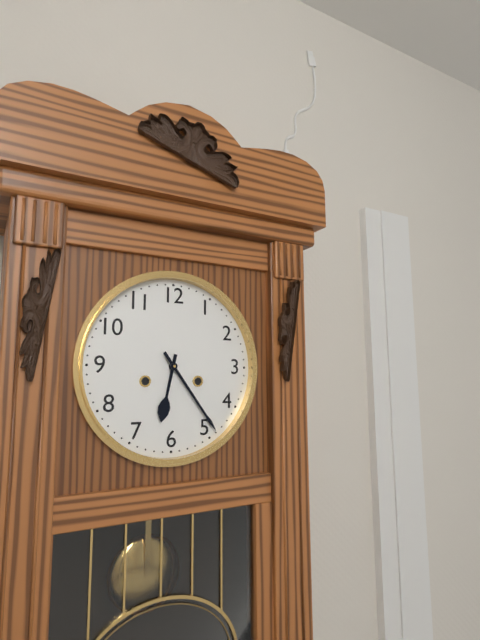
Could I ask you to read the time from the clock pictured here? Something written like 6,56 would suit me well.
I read 6,24
